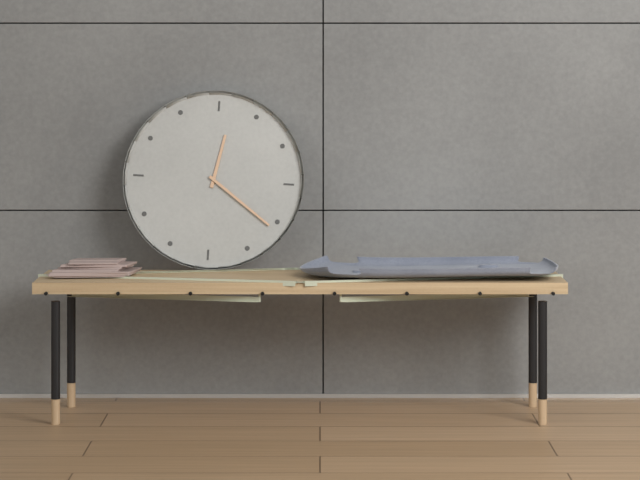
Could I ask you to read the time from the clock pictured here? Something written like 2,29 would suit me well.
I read 12,21
